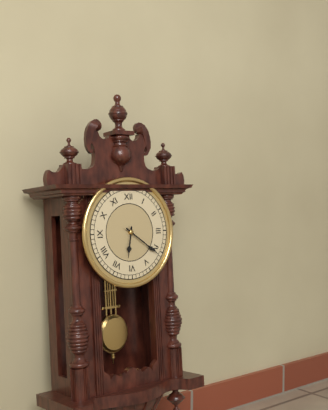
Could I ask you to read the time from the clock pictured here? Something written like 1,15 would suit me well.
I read 6,21
